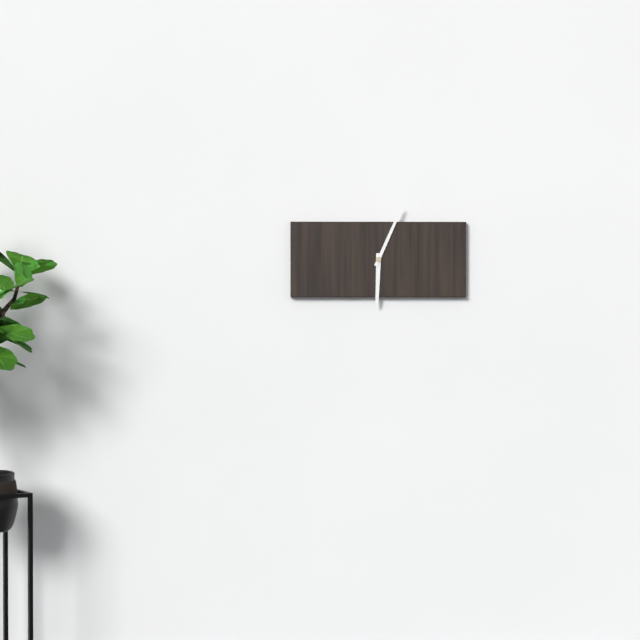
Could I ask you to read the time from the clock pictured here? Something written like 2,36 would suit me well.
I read 6,04
